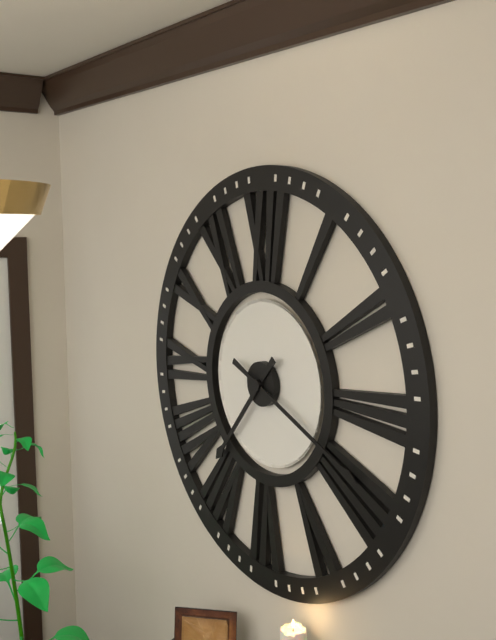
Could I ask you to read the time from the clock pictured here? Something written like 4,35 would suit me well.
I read 7,19
